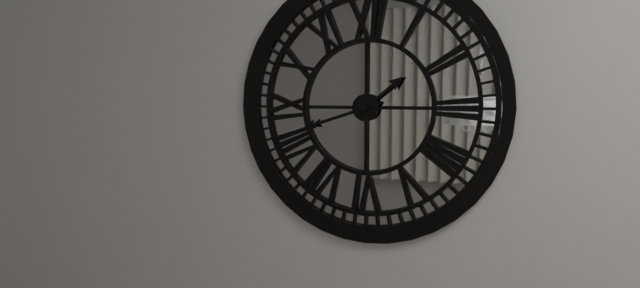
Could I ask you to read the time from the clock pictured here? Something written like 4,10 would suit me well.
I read 1,42
